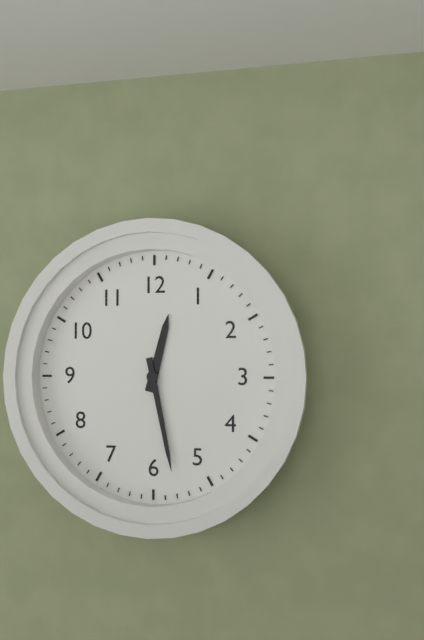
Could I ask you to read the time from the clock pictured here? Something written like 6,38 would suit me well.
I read 12,28
